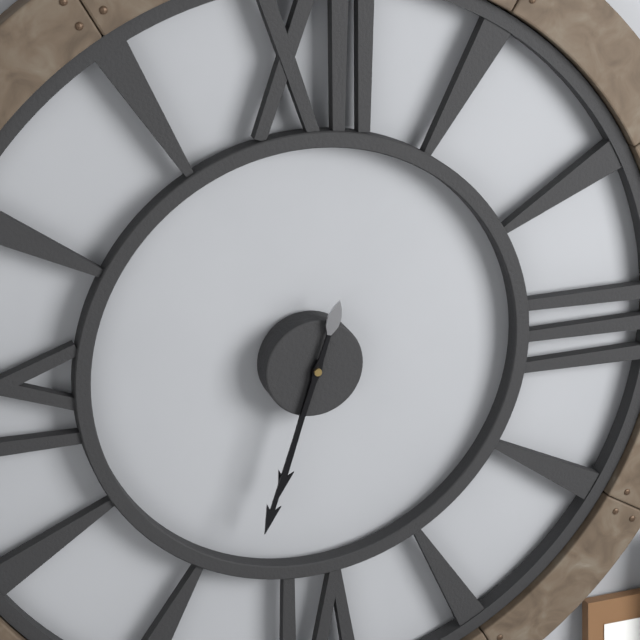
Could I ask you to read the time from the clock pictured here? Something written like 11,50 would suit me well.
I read 6,33
